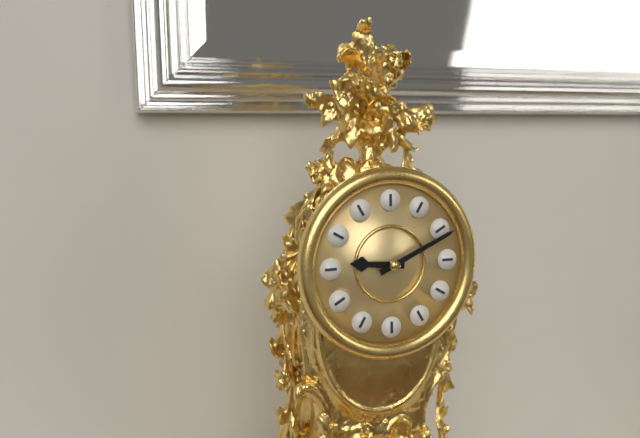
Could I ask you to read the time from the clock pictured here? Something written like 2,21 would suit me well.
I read 9,11
